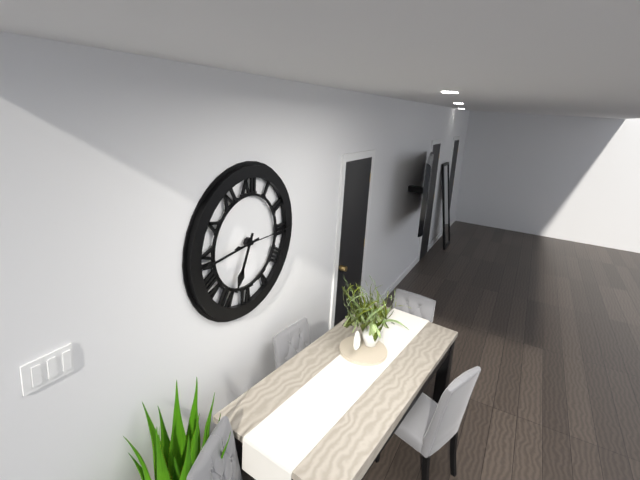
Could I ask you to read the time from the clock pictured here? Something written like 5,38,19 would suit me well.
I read 6,44,15
